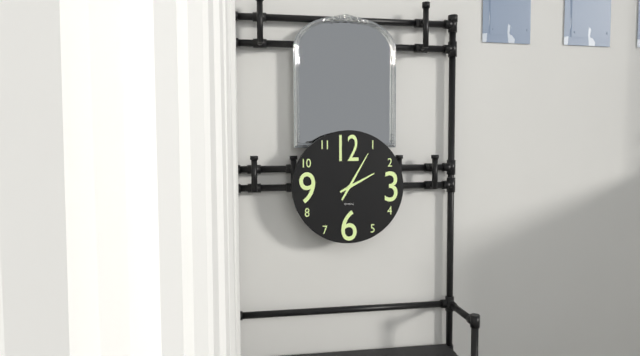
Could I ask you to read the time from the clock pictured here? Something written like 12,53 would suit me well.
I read 2,05
